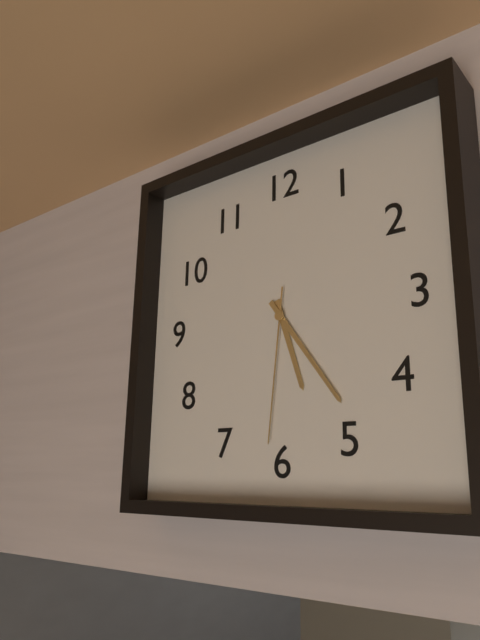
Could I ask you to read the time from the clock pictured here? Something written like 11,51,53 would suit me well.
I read 5,24,31
